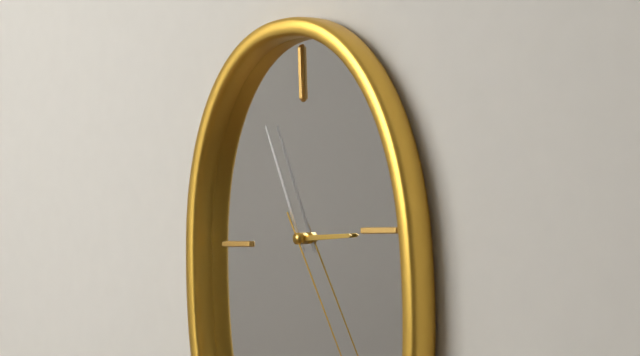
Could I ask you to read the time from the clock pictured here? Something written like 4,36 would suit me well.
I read 2,56
